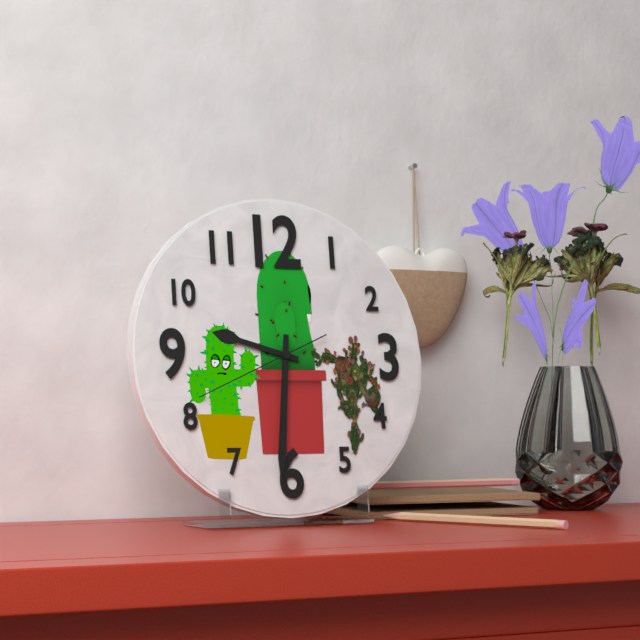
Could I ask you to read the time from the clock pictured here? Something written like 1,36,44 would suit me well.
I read 9,31,41
